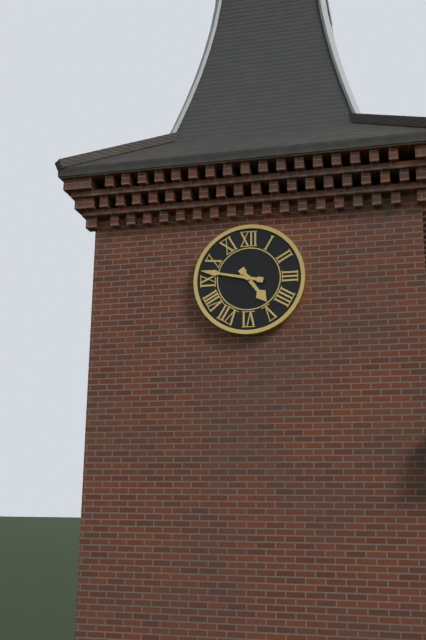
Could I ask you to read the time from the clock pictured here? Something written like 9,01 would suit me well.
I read 4,47
